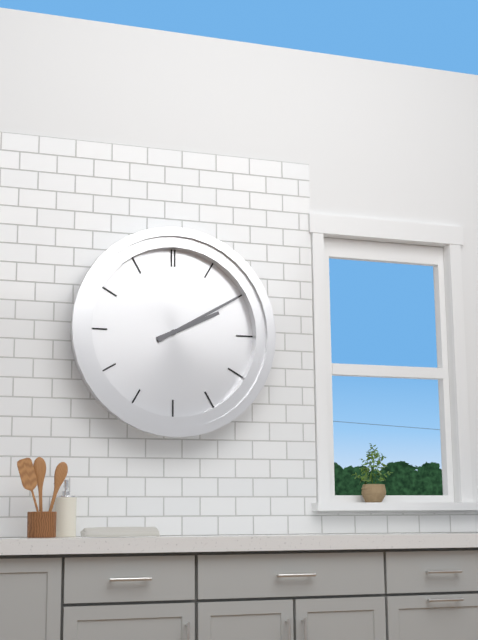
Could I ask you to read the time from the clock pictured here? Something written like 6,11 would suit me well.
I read 2,10
